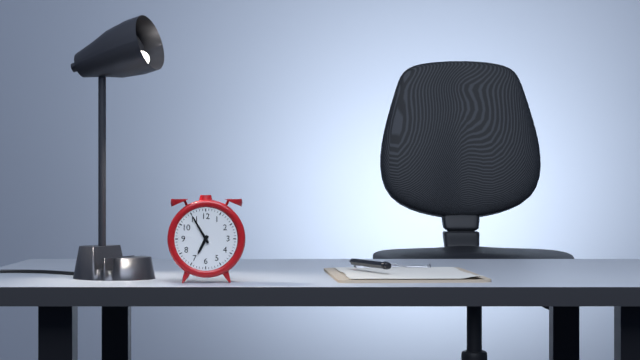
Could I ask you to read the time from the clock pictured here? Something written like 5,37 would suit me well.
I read 6,55
